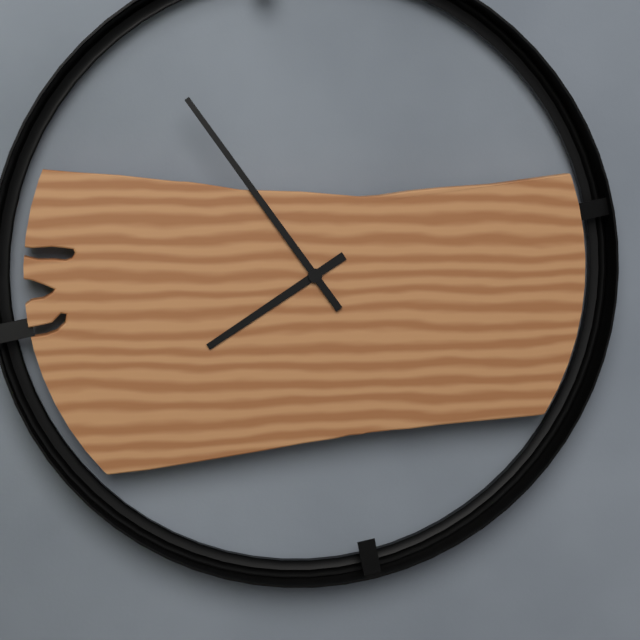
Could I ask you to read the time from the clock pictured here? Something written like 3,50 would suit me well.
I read 7,54
